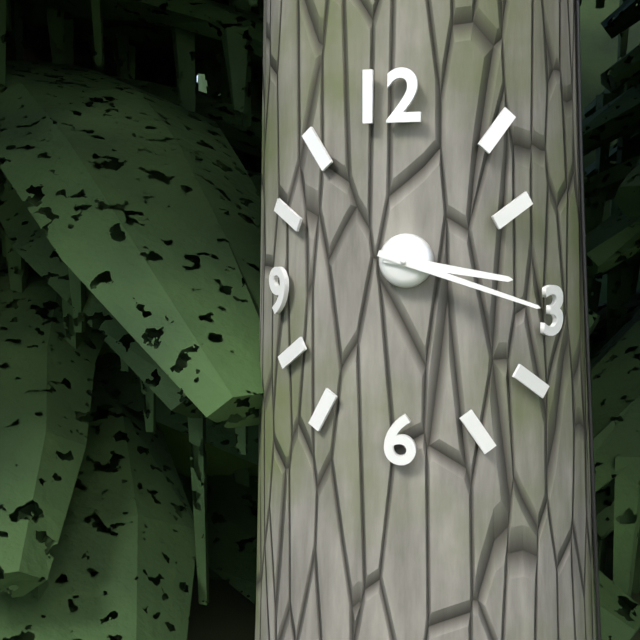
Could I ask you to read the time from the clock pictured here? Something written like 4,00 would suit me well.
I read 3,18
